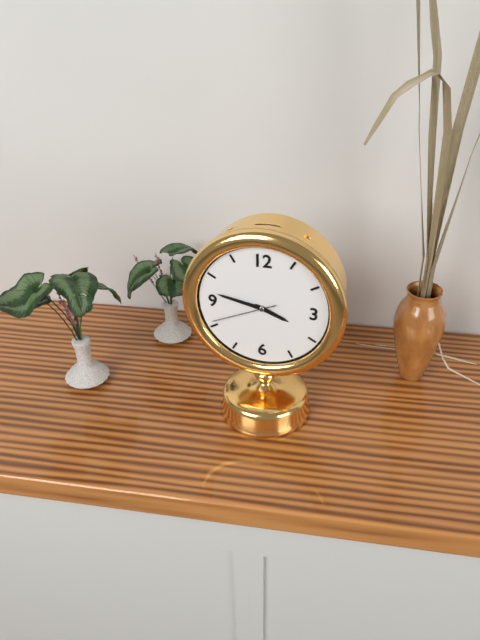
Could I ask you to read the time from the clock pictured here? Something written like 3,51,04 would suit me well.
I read 3,47,41
